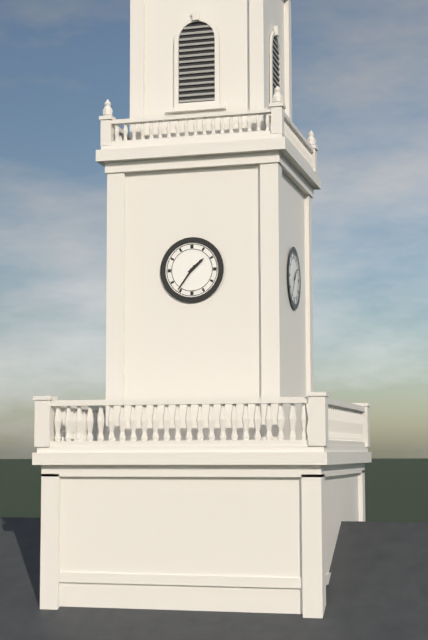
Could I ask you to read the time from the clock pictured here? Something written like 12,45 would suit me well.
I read 1,36
